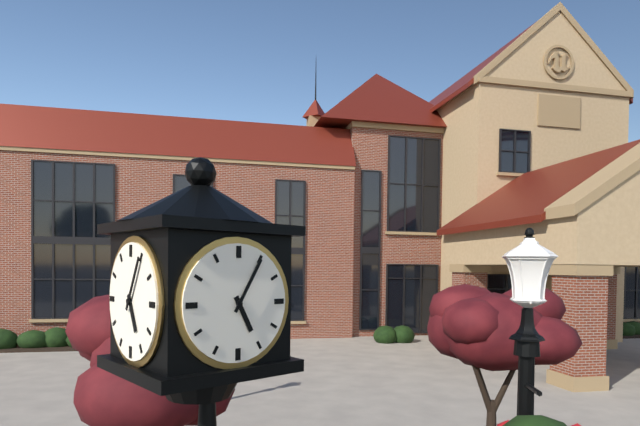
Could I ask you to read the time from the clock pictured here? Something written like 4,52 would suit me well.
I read 5,05
